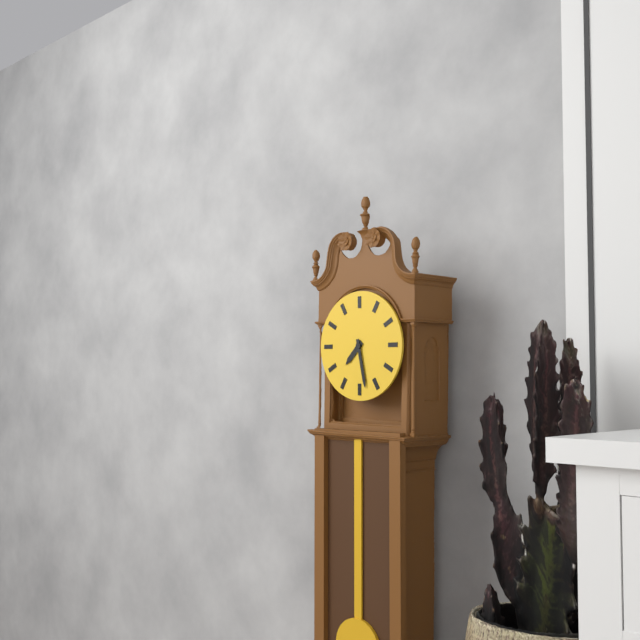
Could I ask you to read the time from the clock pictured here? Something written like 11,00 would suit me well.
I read 7,28
